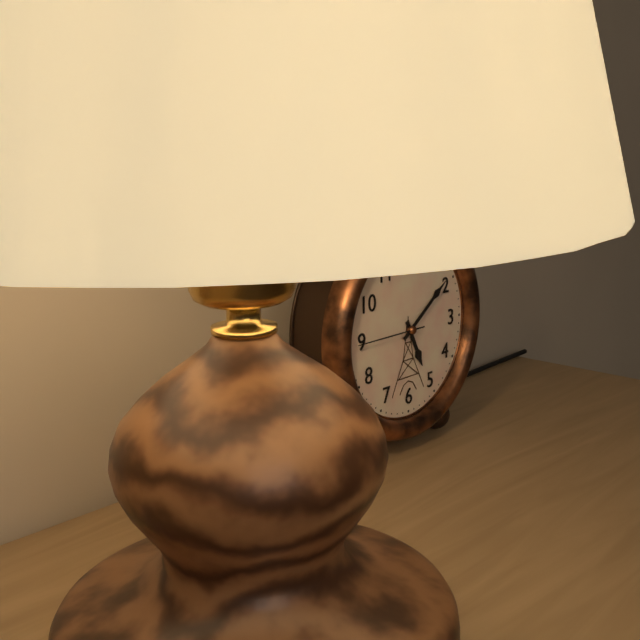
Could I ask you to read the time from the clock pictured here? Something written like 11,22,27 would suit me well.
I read 5,09,45
